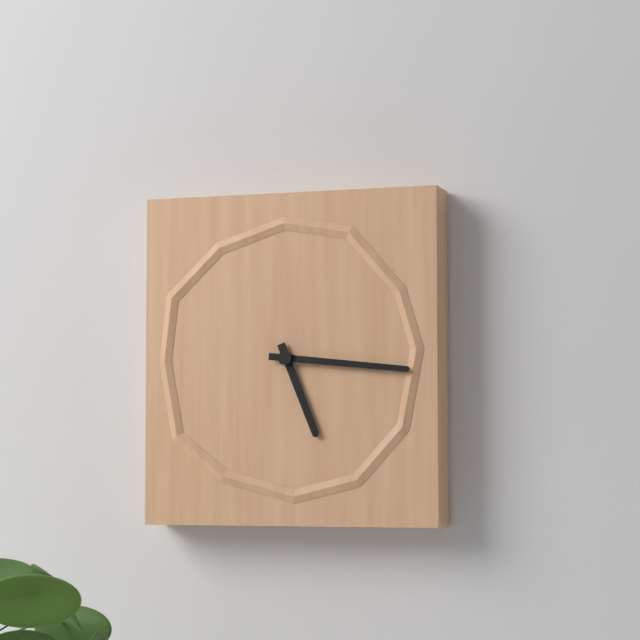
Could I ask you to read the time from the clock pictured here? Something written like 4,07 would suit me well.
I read 5,16
